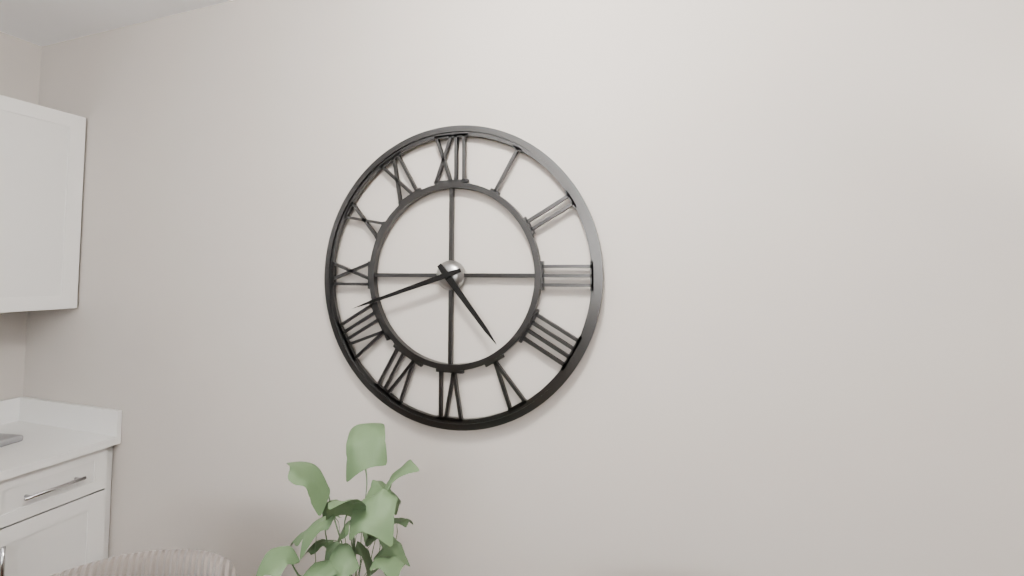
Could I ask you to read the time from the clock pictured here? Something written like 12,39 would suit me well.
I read 4,42
